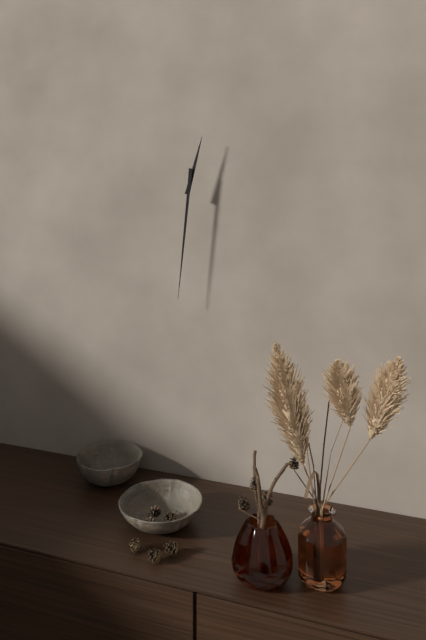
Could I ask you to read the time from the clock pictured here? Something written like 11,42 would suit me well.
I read 12,31
